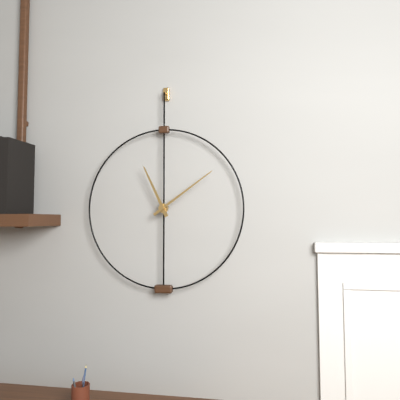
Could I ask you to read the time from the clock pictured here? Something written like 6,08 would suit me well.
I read 11,09
